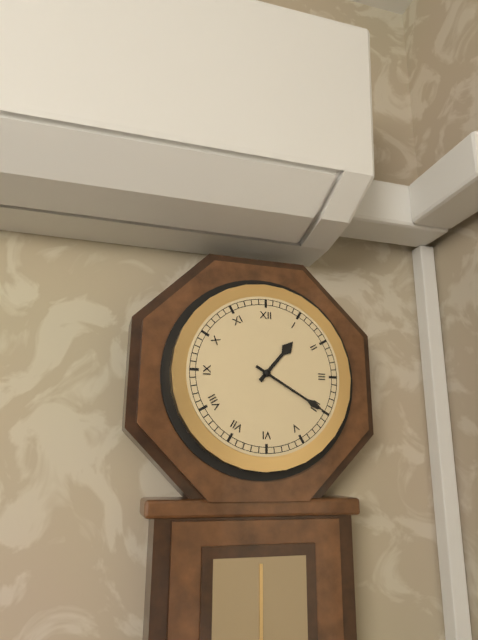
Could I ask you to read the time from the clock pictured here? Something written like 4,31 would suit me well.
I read 1,20
